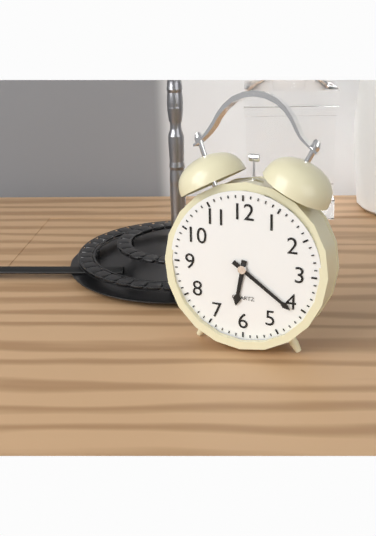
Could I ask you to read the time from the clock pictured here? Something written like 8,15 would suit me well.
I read 6,21
